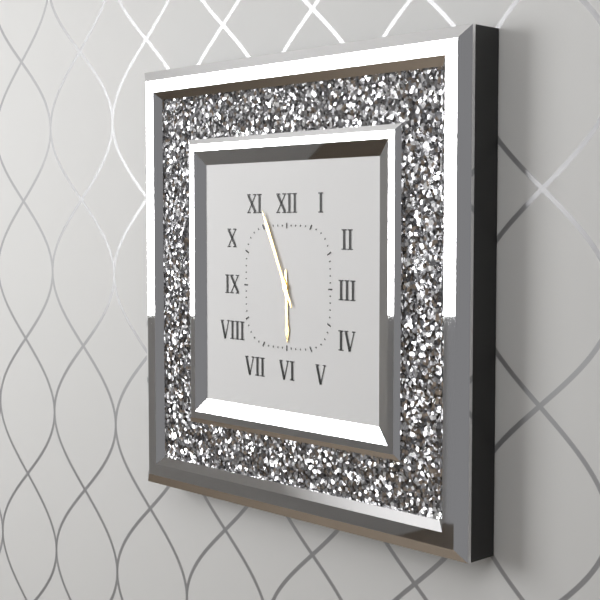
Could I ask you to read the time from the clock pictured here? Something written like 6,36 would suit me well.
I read 5,56
